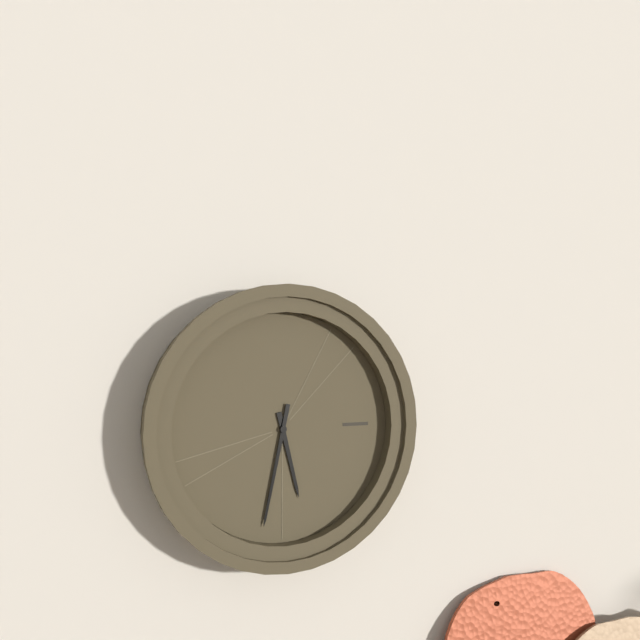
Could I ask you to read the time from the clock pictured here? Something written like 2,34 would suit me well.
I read 5,32
